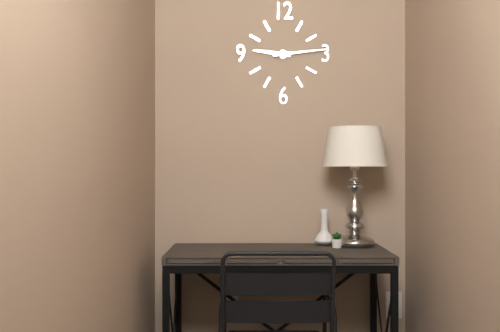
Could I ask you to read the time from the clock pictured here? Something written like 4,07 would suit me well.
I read 9,14
